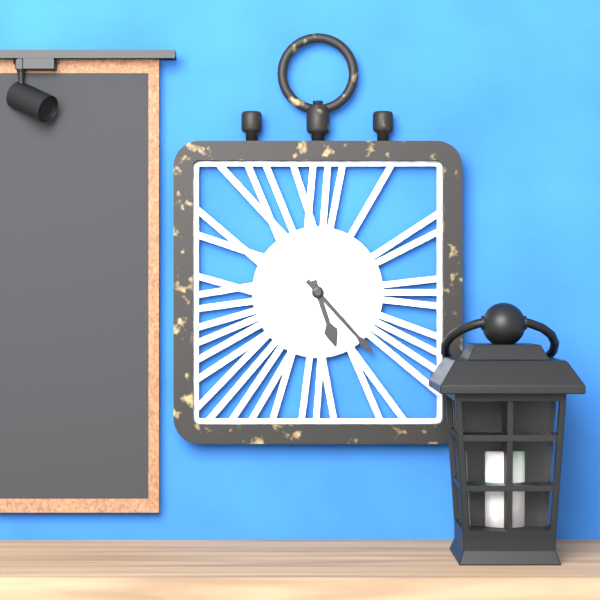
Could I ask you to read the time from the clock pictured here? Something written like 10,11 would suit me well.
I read 5,23
